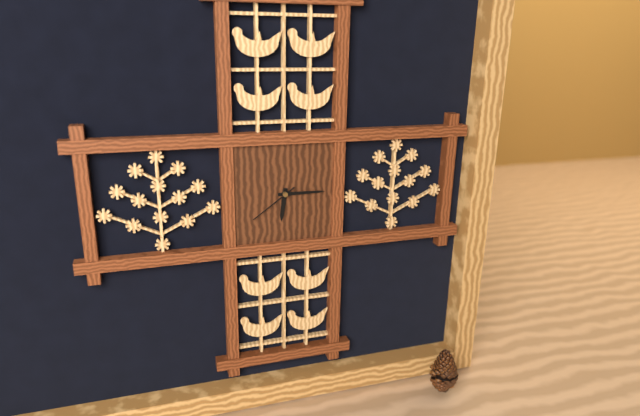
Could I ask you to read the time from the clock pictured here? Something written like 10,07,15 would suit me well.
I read 6,15,39
